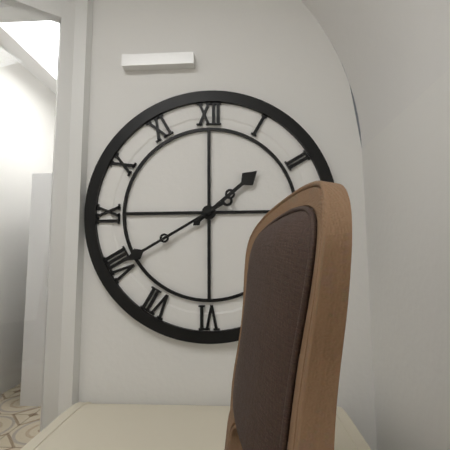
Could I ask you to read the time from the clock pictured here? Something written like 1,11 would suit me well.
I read 1,40
